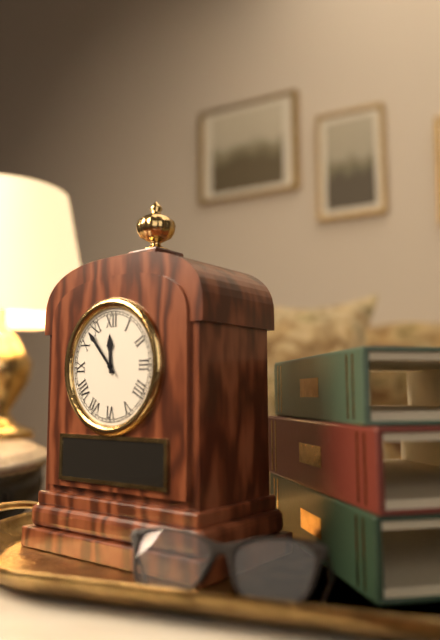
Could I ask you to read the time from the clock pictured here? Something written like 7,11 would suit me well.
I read 11,53
